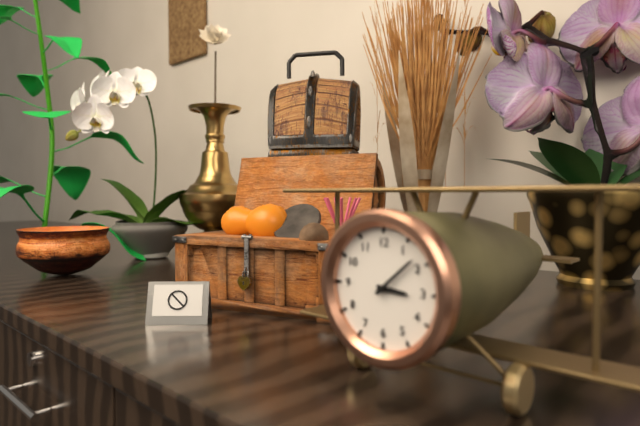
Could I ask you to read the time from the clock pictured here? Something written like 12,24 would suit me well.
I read 3,08
